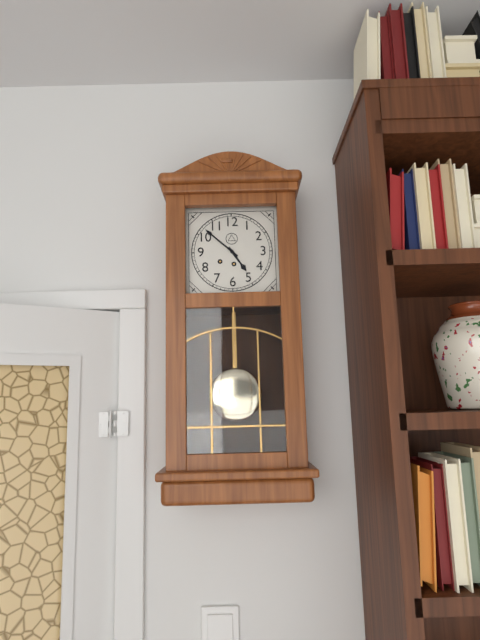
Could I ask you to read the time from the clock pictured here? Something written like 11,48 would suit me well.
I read 4,52
